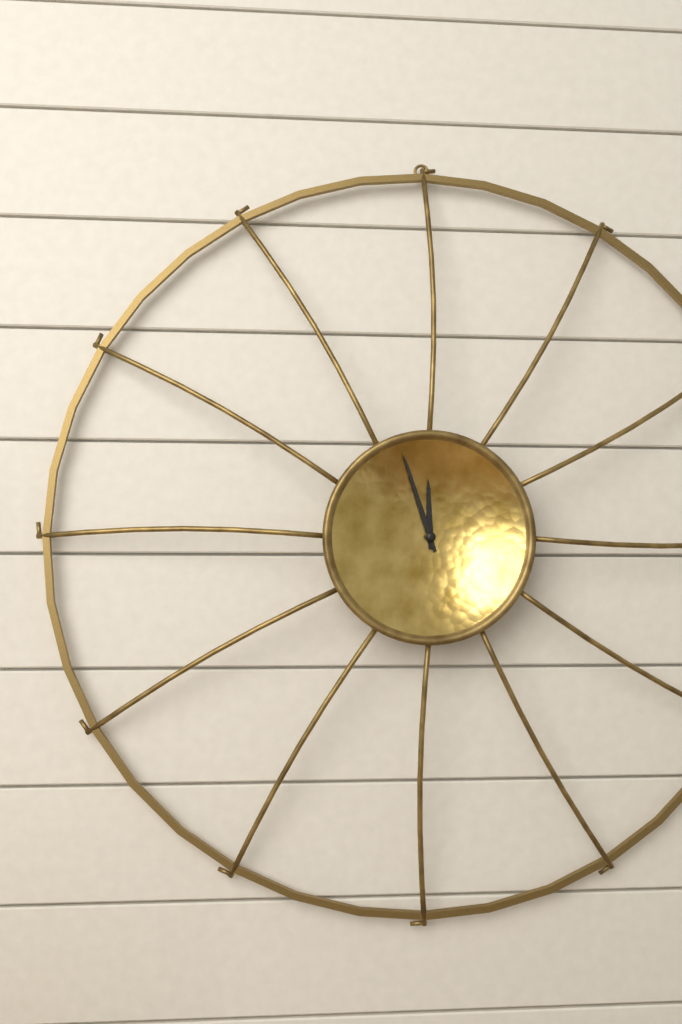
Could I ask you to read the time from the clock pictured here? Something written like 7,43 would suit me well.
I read 11,57
